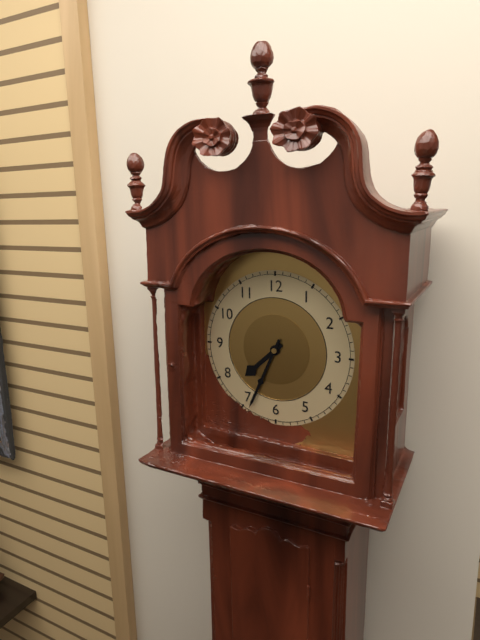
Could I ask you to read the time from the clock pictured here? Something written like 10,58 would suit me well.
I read 7,34
